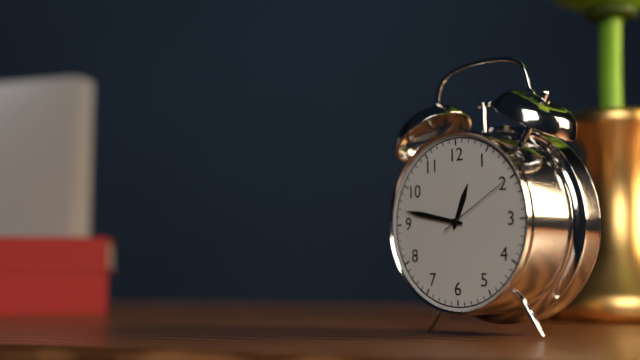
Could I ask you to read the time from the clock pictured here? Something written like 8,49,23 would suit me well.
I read 12,47,10
